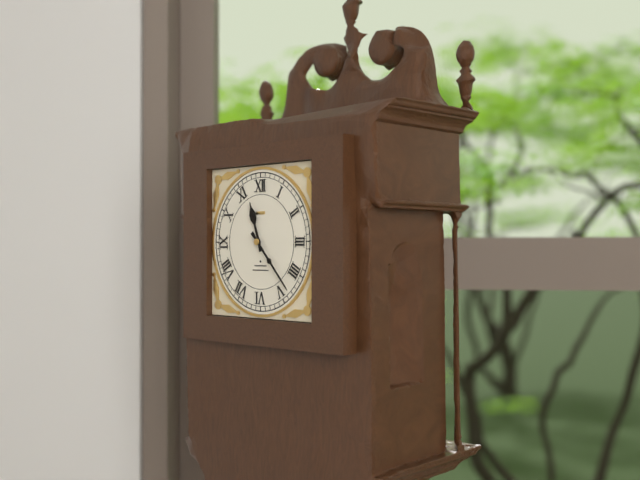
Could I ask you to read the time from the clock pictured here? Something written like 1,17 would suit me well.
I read 11,23
